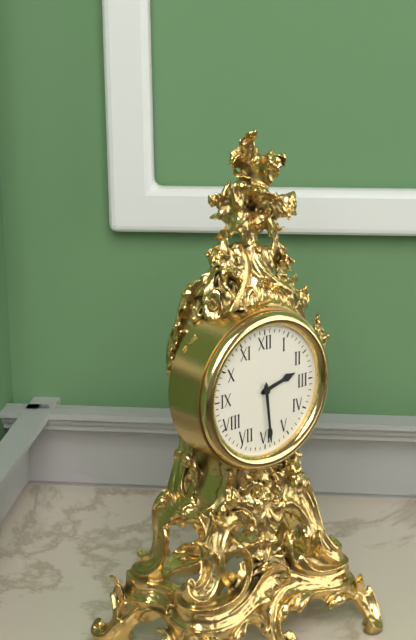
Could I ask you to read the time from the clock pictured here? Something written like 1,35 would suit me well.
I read 2,29
